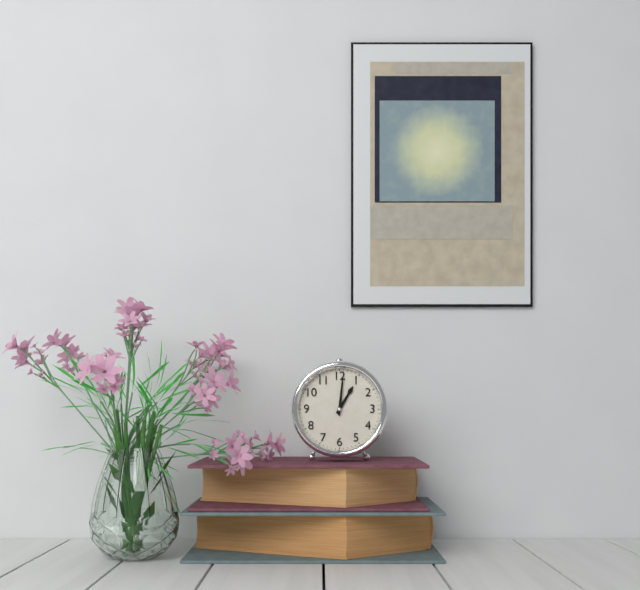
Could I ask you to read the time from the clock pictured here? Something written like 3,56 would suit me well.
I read 1,01
